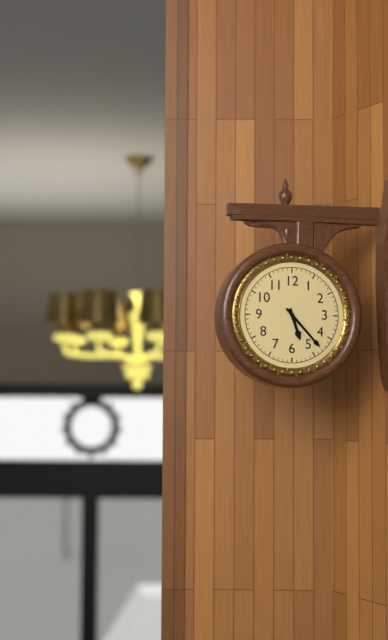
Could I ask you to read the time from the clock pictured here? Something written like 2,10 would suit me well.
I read 5,23
